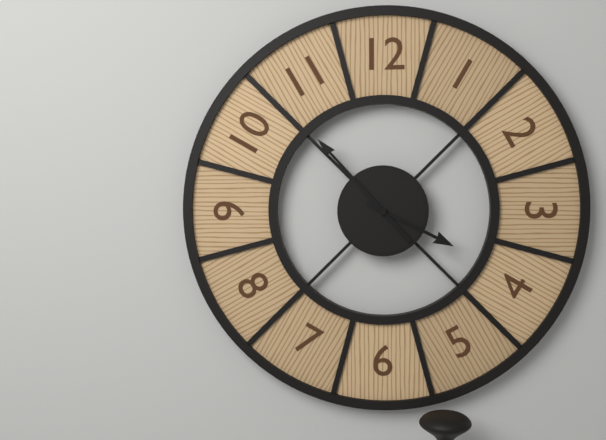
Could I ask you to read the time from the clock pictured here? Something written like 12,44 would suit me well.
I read 3,53
